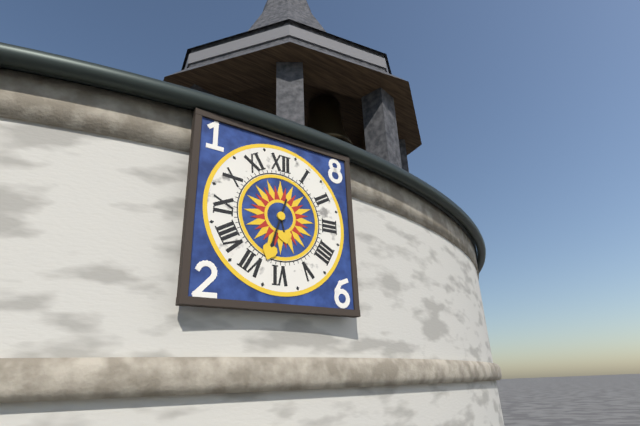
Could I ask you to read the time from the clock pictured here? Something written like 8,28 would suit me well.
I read 5,33
